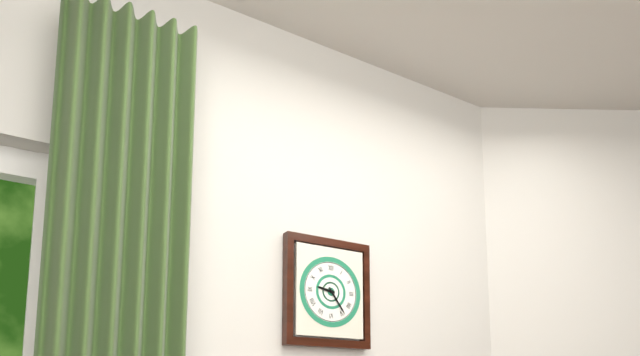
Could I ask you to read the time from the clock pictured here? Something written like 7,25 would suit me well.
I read 9,24
